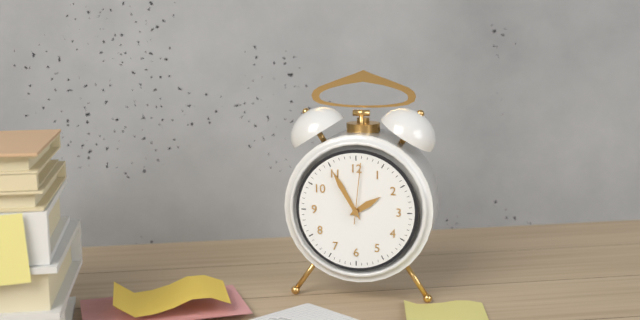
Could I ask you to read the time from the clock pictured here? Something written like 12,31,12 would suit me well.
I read 1,55,01
